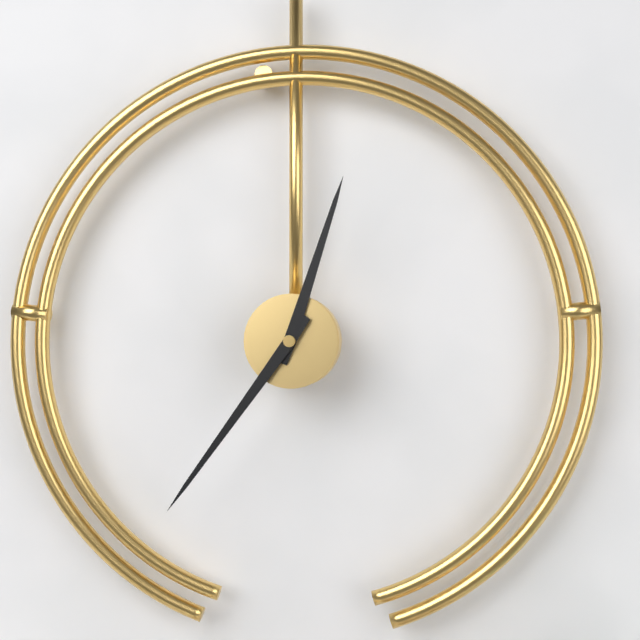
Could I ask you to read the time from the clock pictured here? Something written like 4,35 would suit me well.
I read 12,36
